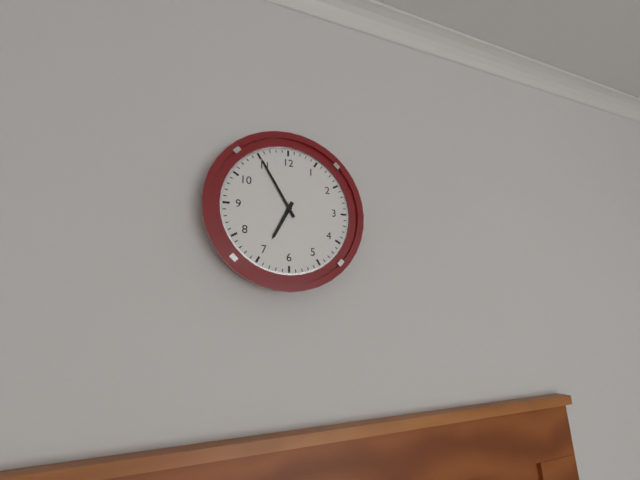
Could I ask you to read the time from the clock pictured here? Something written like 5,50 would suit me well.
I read 6,55
